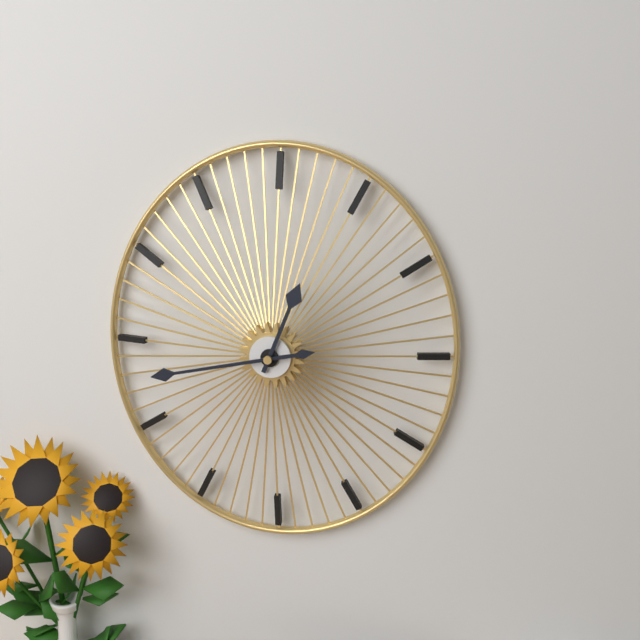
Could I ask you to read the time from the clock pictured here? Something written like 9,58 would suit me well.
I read 12,43
